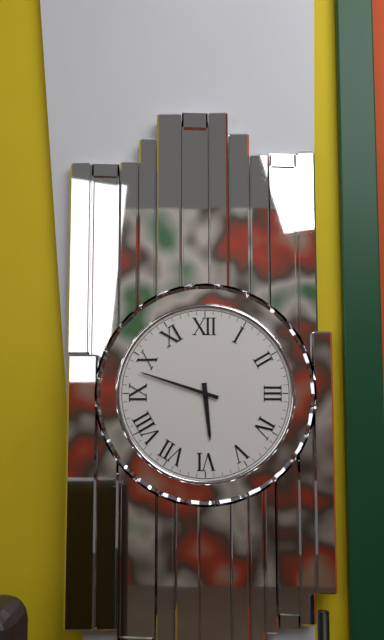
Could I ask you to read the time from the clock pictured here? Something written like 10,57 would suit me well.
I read 5,48
